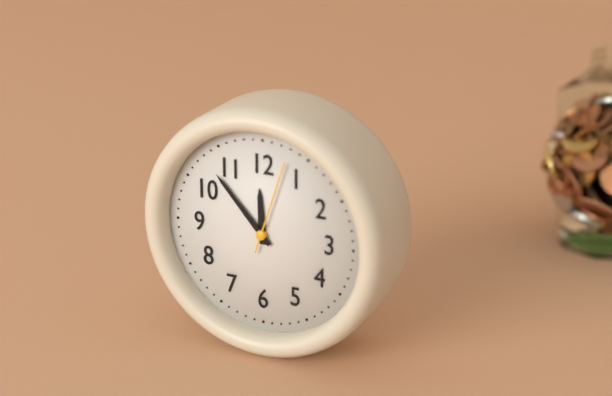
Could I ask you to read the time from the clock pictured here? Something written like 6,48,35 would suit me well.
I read 11,53,03
